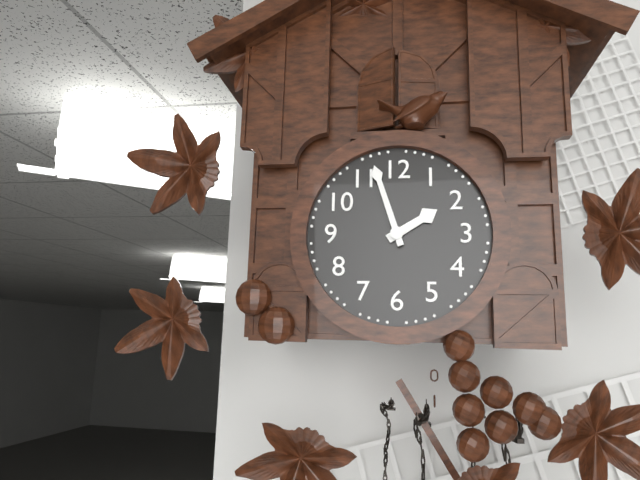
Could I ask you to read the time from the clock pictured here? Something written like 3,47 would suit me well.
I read 1,57
